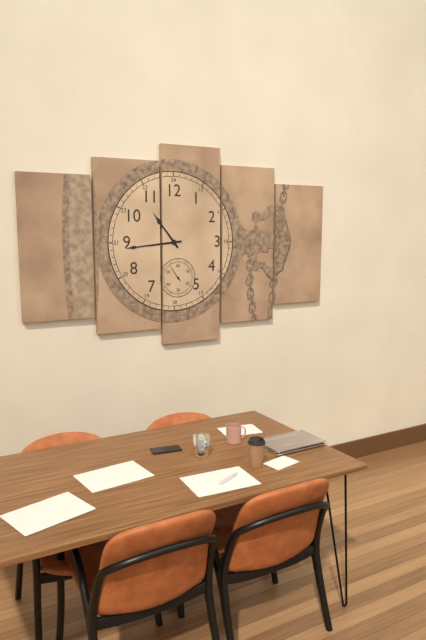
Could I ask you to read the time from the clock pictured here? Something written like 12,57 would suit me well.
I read 10,44
